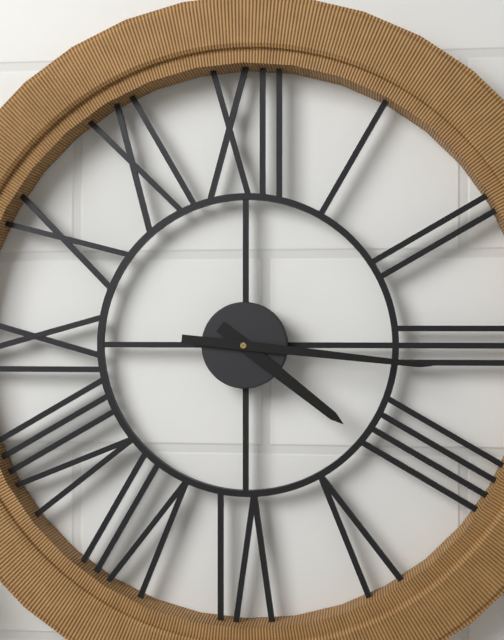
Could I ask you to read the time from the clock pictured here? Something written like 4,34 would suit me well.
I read 4,16
